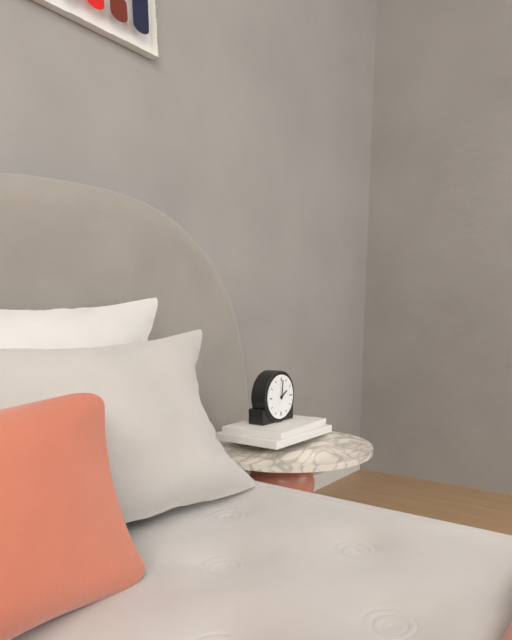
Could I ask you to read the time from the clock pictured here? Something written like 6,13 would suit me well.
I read 2,01
